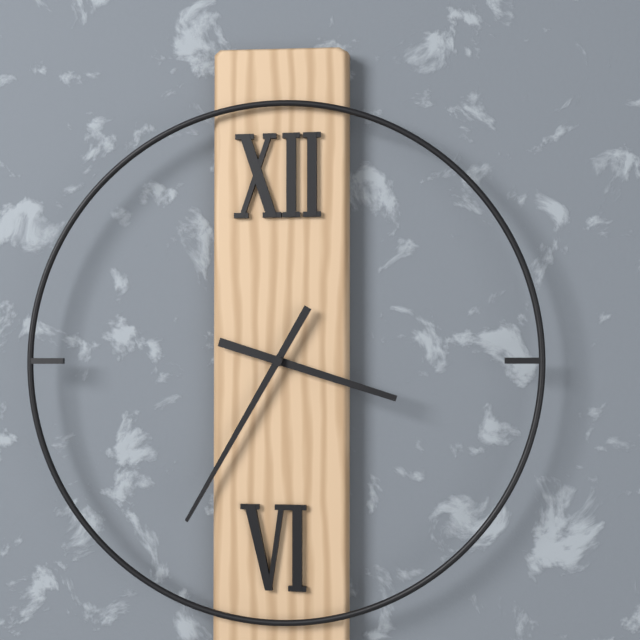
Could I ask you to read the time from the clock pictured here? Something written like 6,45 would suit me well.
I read 3,35
